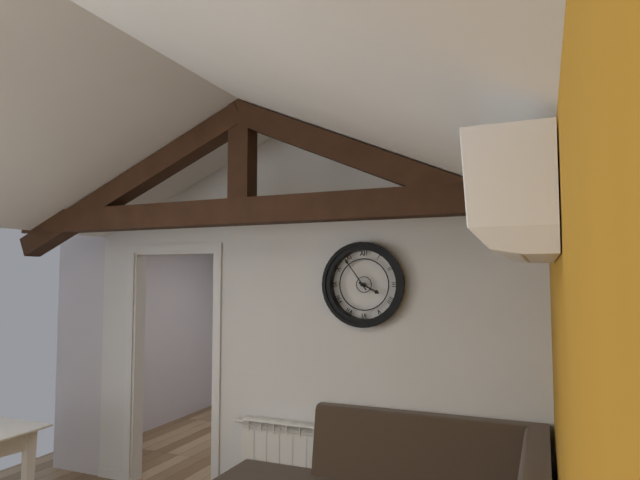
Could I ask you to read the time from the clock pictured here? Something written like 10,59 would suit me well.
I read 3,54
